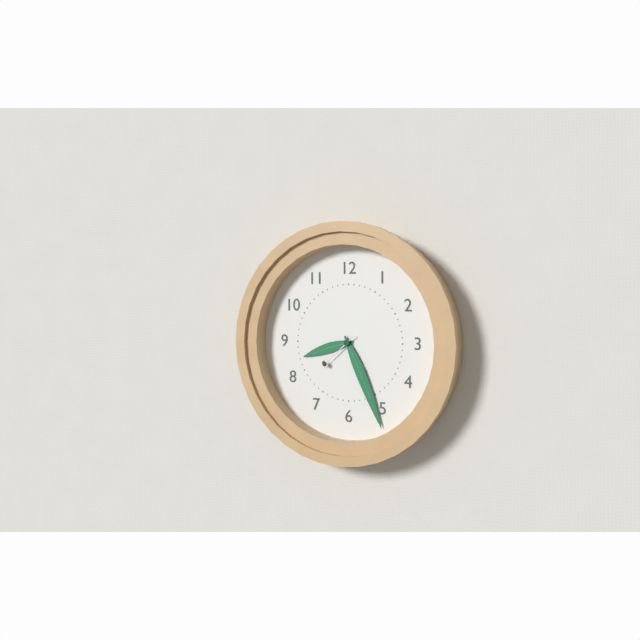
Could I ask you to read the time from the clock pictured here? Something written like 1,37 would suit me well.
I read 8,26
